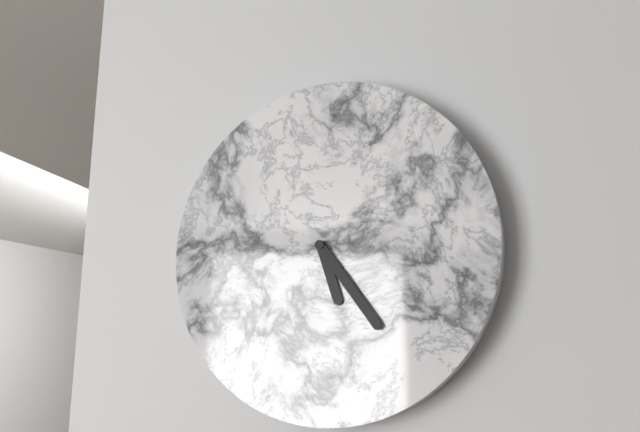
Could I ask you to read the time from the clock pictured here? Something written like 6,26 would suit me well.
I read 5,24
